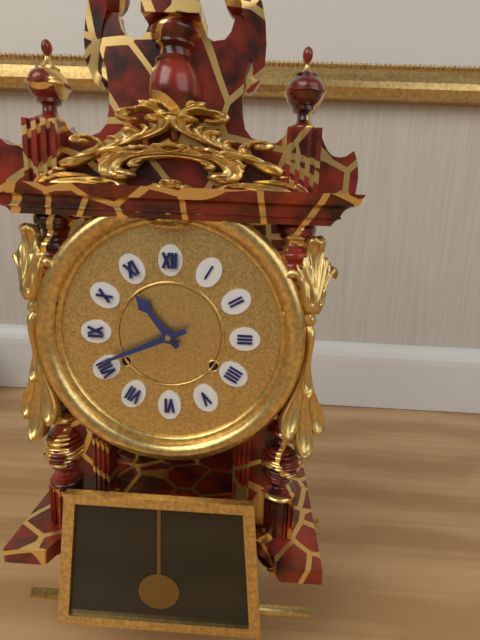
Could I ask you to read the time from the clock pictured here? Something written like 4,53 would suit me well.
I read 10,41
